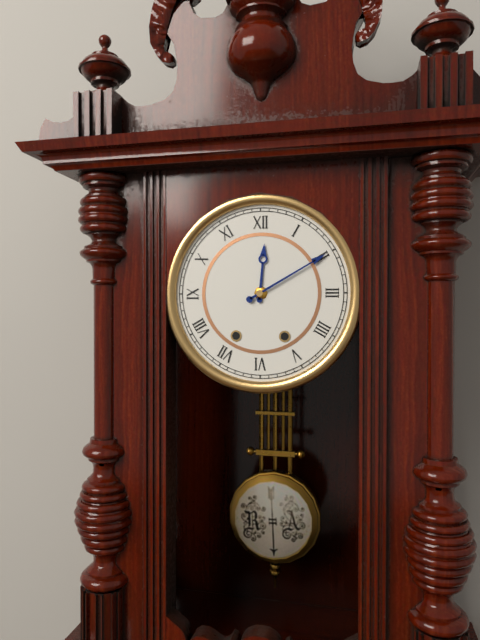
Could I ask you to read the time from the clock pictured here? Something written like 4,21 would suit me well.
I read 12,10
